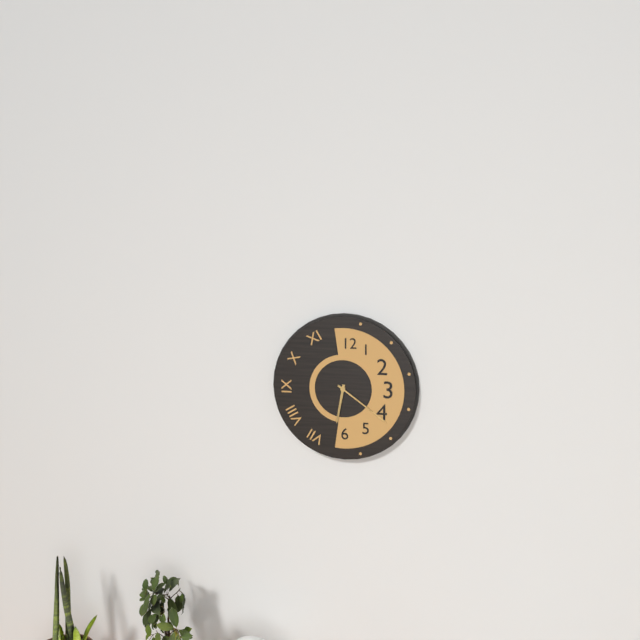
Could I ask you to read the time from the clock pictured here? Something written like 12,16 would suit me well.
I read 6,21
